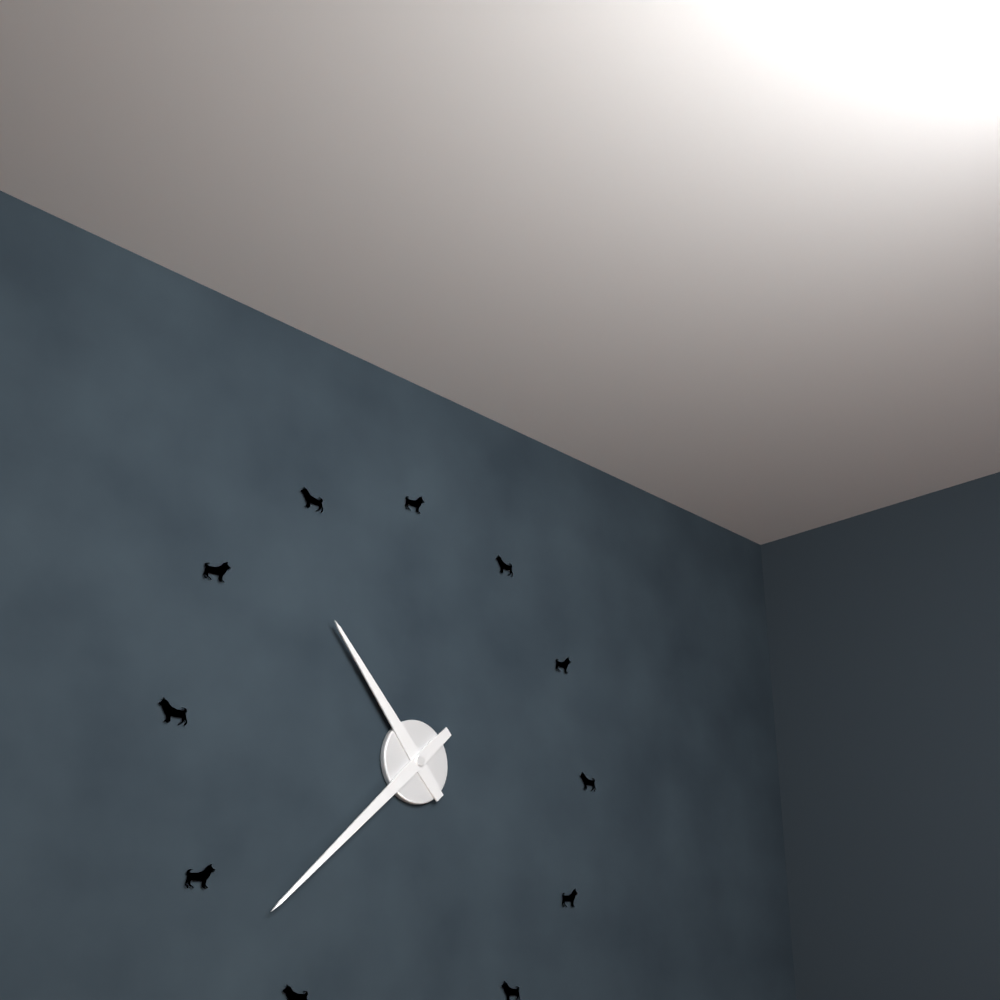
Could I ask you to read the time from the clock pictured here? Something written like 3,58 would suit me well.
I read 10,38
